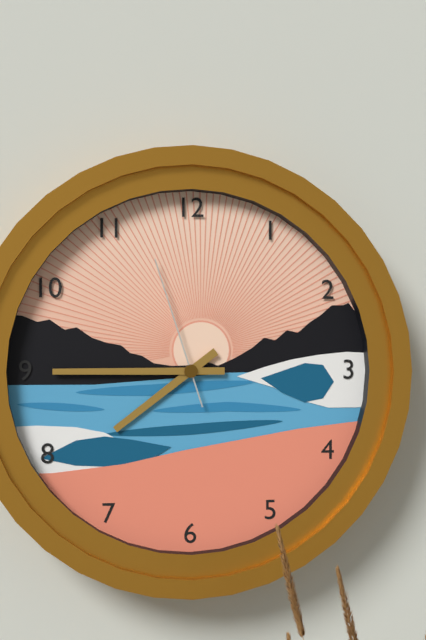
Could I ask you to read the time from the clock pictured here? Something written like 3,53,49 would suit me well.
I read 7,45,57
